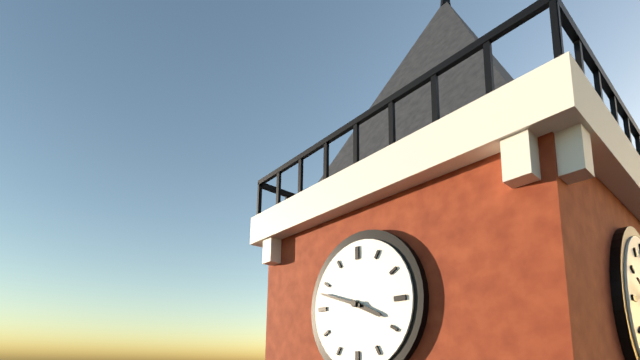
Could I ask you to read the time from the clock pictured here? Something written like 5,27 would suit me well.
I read 3,48
